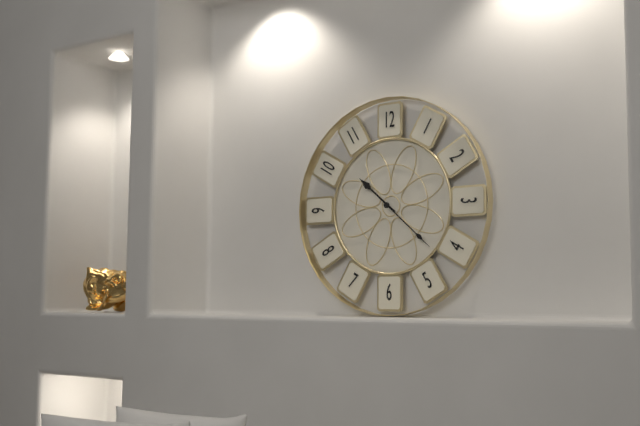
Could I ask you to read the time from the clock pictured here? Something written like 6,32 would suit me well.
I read 10,22
